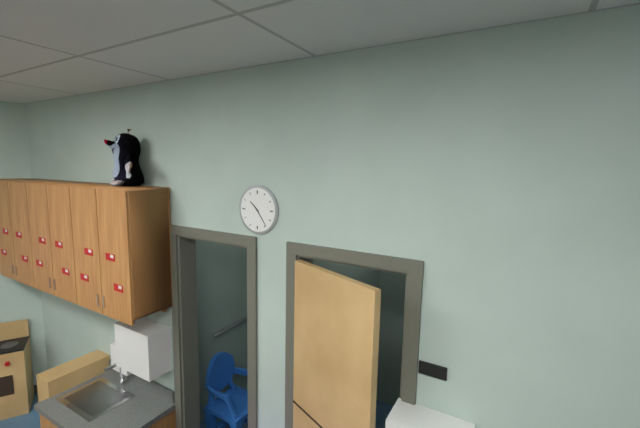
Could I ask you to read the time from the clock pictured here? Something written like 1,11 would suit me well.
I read 10,24
